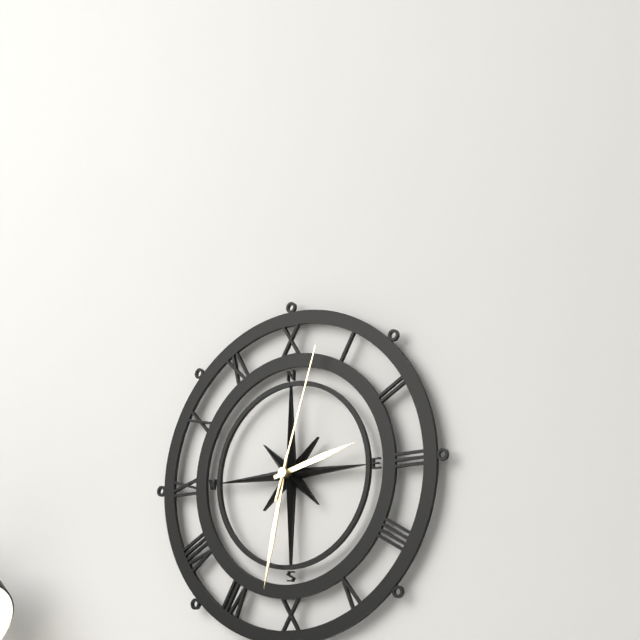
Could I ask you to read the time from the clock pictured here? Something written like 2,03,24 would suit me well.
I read 2,32,03
